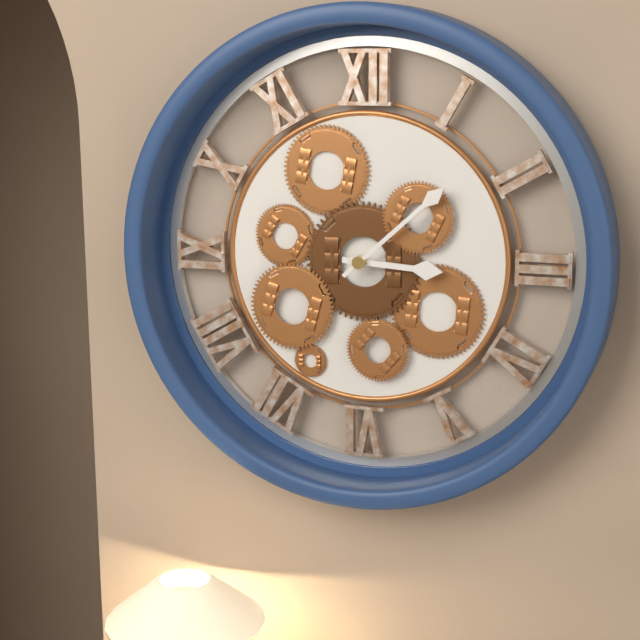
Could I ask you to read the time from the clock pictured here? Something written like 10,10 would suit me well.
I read 3,08
